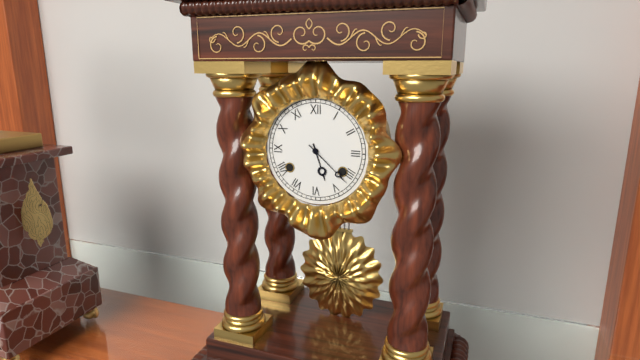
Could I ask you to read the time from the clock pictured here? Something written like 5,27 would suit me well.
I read 5,22
